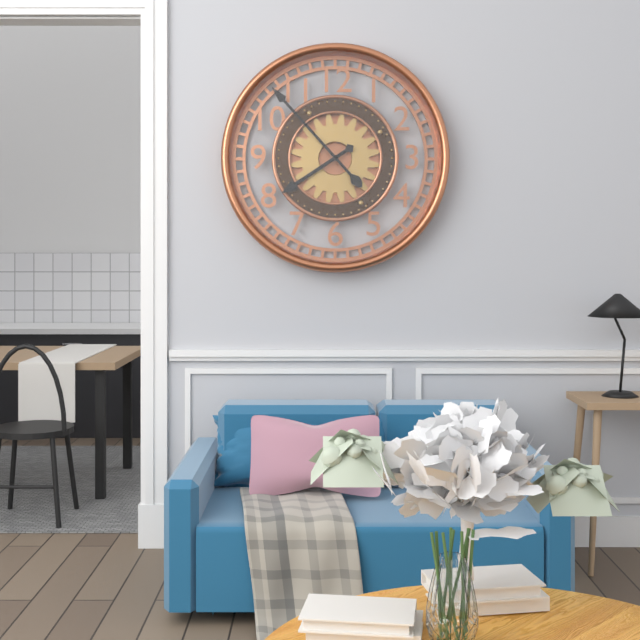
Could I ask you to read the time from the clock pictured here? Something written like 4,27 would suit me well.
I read 7,53
